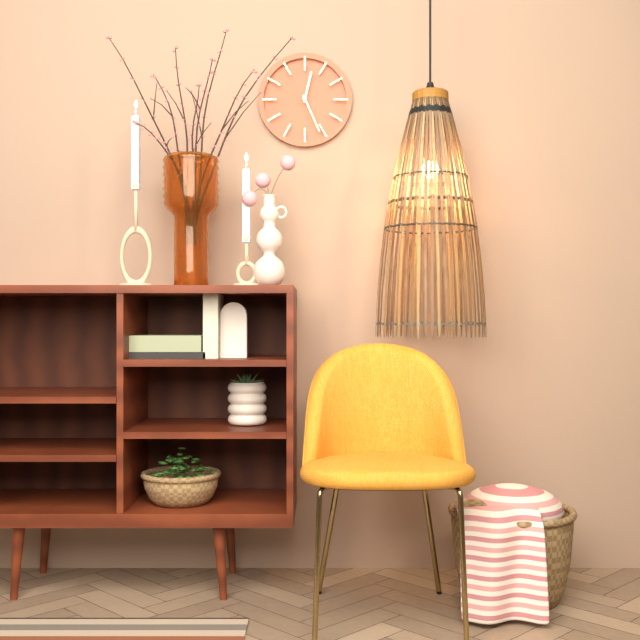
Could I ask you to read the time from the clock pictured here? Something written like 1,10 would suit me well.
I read 12,26
